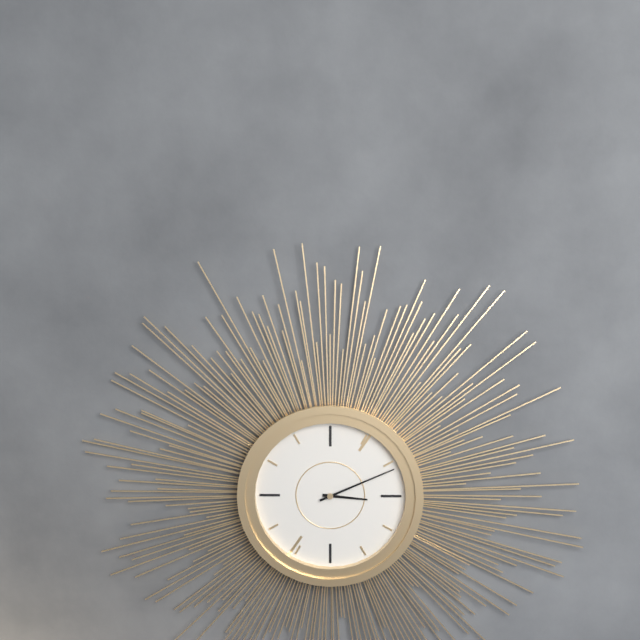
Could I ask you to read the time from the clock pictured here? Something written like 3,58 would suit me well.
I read 3,11
